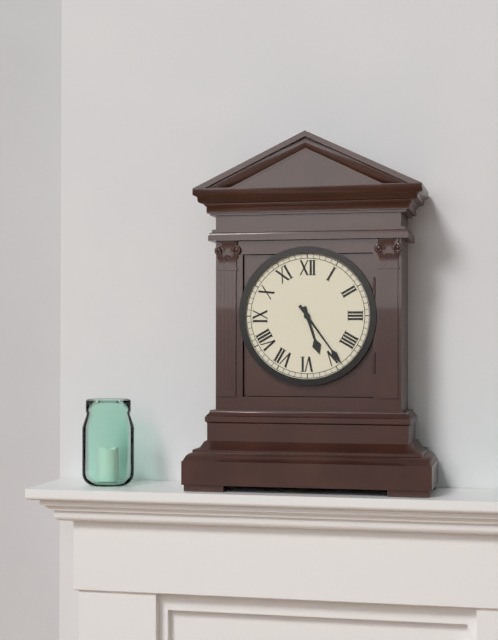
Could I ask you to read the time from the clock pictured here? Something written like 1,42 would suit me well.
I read 5,24
